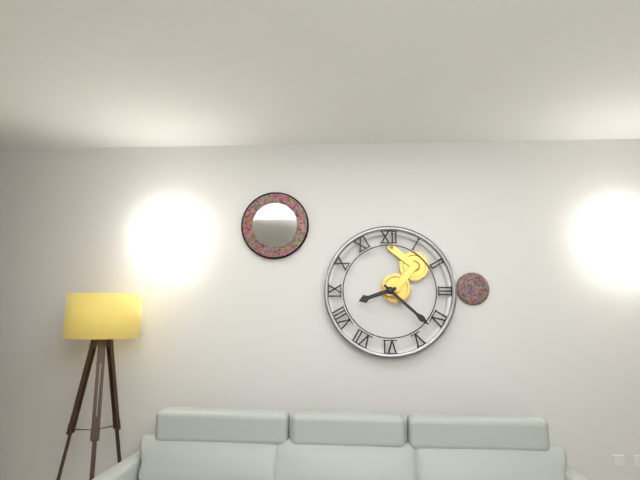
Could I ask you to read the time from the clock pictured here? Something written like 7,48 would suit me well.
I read 8,22
